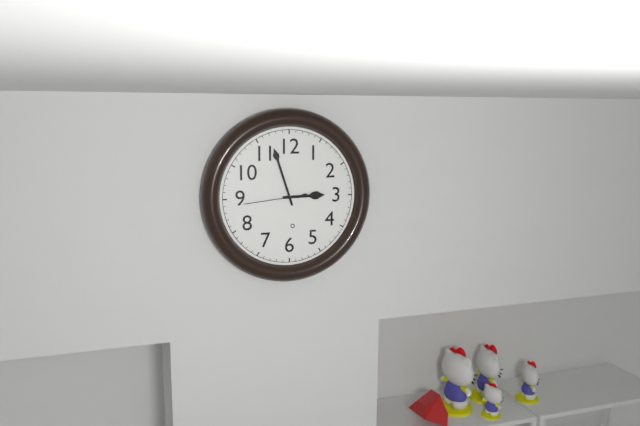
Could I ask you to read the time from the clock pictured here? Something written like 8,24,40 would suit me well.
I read 2,57,44
